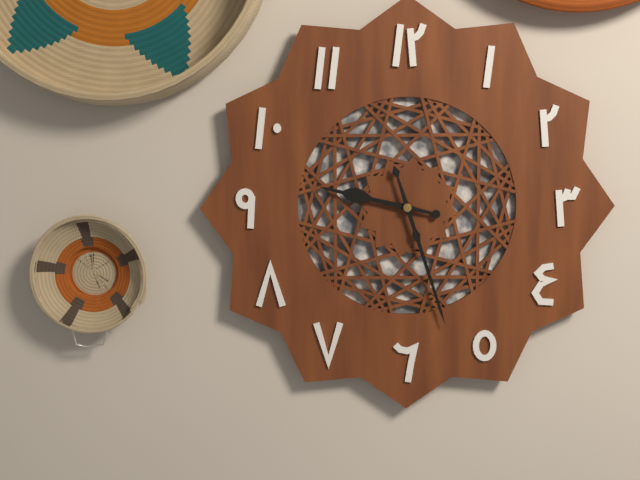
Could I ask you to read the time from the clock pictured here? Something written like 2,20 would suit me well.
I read 9,27
